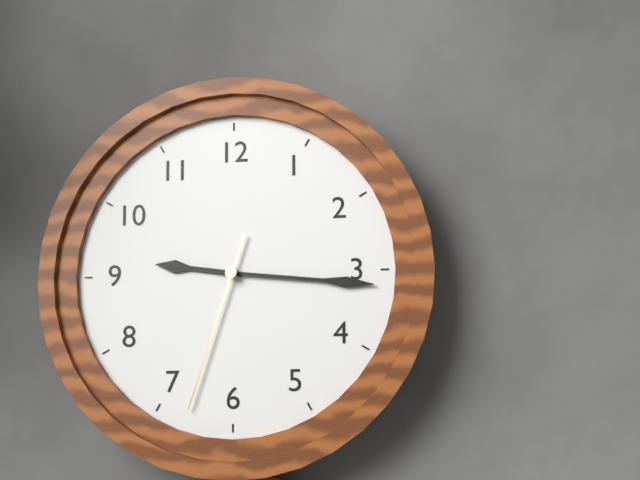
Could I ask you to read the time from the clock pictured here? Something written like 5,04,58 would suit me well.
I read 9,16,33
